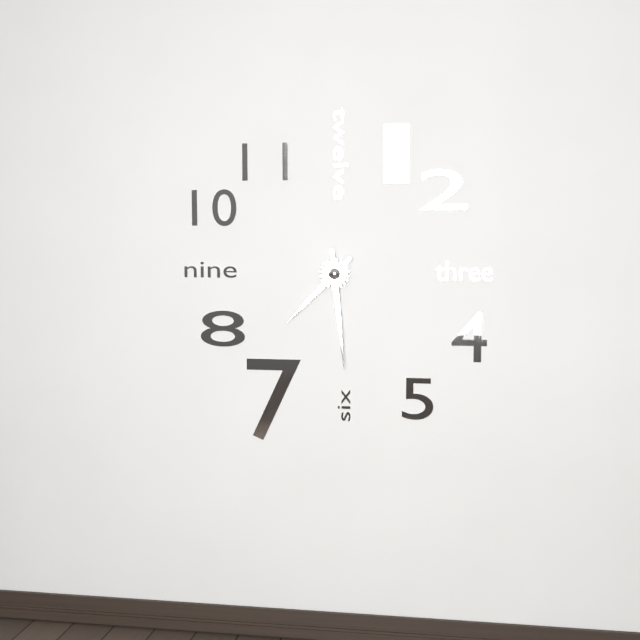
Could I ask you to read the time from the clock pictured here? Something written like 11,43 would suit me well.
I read 7,29
